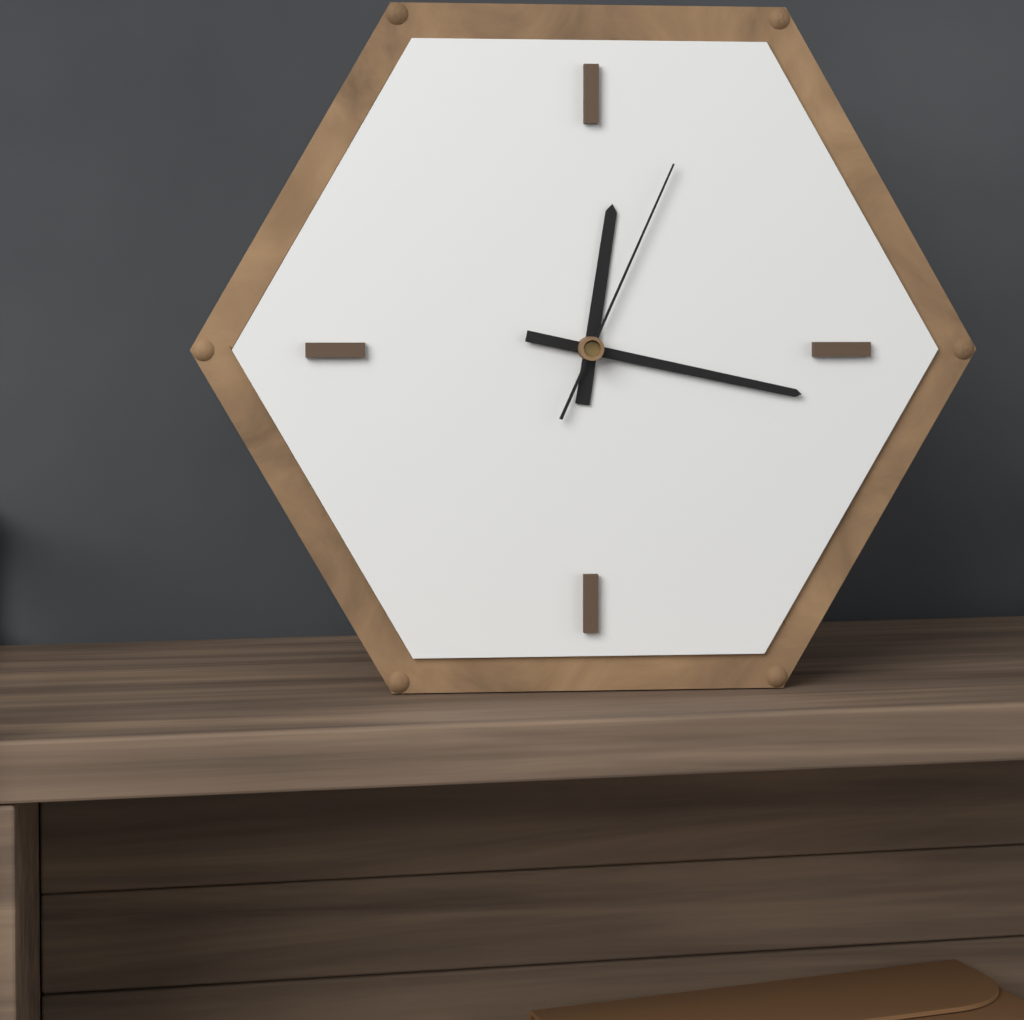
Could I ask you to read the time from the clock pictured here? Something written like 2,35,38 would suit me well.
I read 12,17,04
